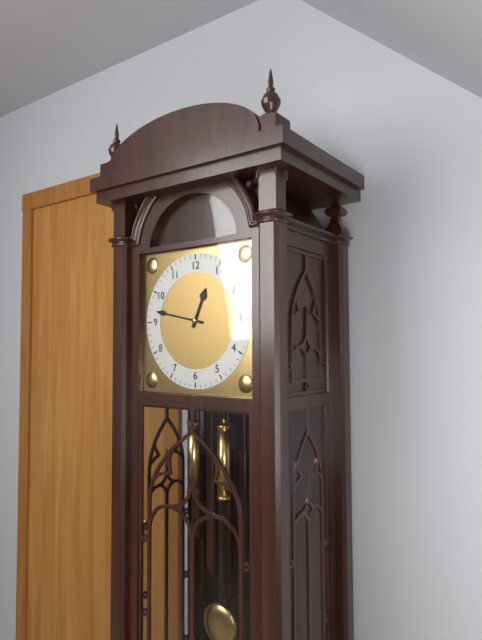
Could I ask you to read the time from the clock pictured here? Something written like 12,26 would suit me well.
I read 12,47
